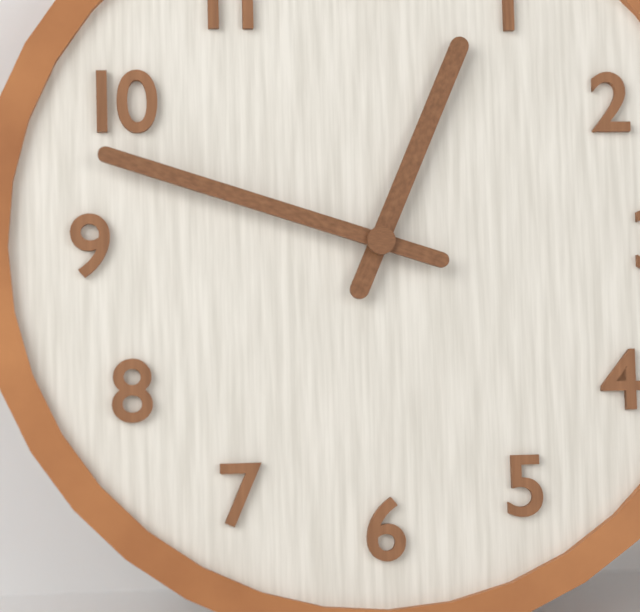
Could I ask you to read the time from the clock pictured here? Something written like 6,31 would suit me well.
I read 12,48
